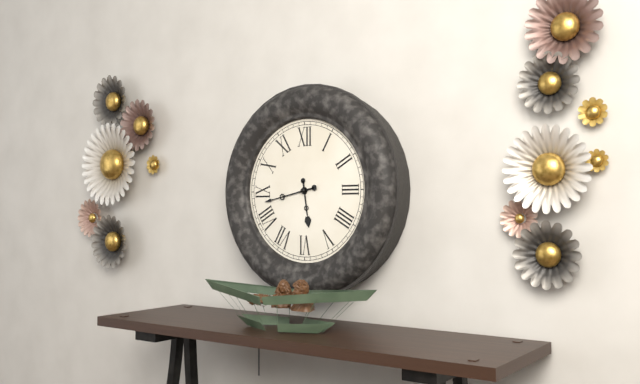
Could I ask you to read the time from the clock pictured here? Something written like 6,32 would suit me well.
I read 5,43
